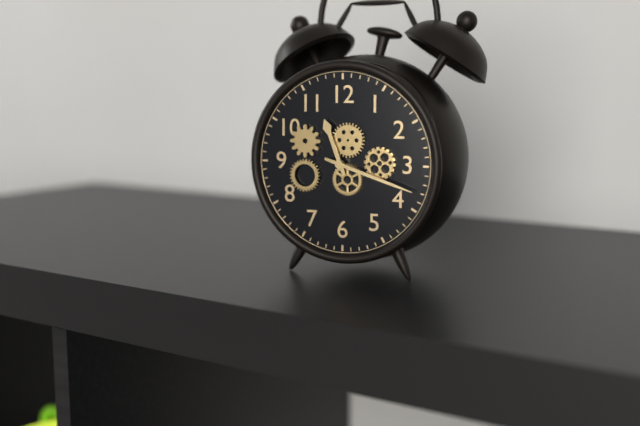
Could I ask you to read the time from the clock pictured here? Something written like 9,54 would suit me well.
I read 11,18
